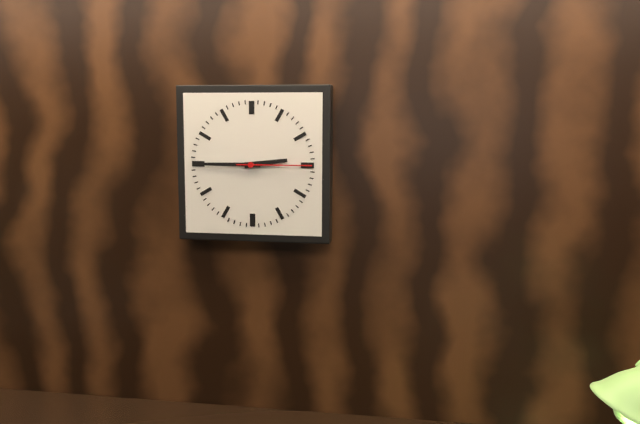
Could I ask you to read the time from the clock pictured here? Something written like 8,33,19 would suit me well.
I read 2,45,15
